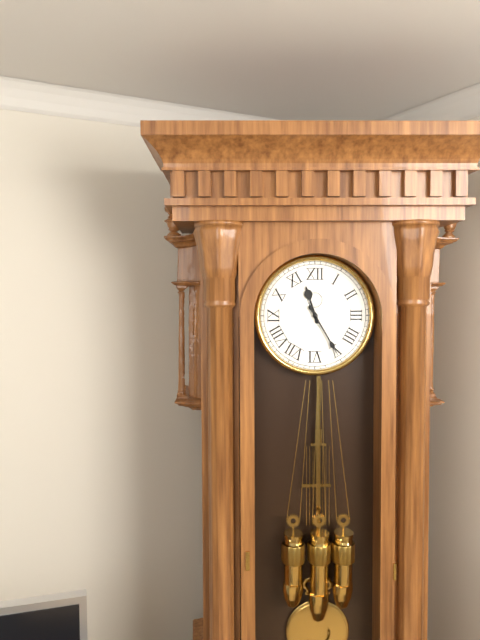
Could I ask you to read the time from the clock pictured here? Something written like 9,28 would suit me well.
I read 11,25
